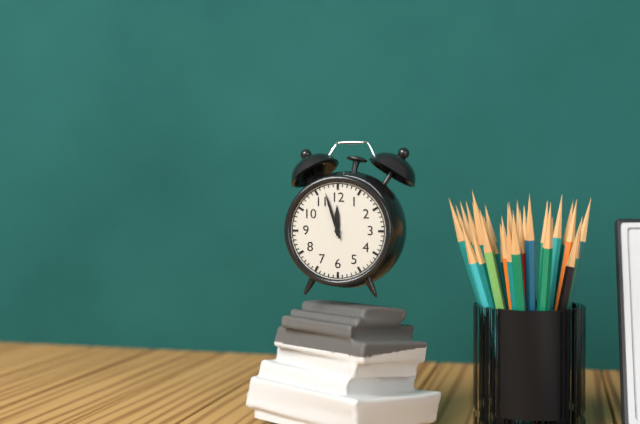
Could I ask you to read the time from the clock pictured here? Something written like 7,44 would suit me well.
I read 11,57
